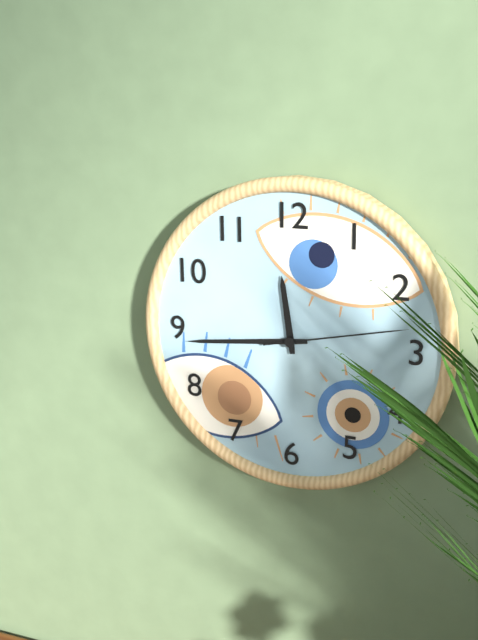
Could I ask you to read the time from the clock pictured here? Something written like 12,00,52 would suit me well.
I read 11,44,13
